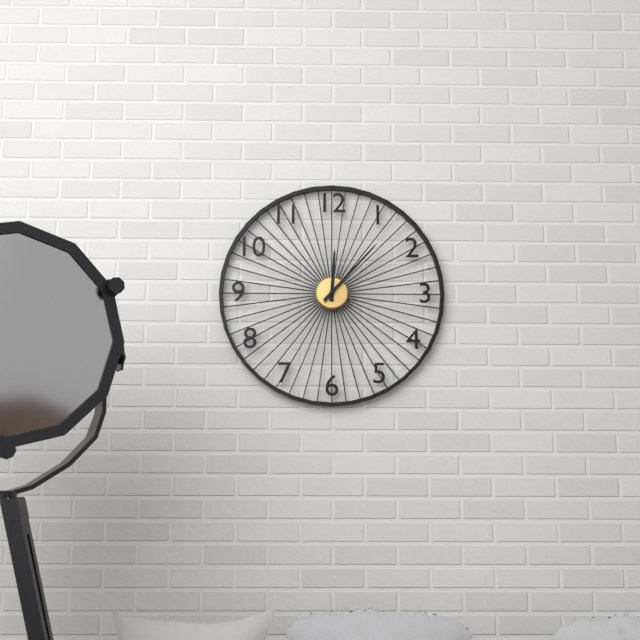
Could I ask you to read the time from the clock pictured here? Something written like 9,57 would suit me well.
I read 12,07
